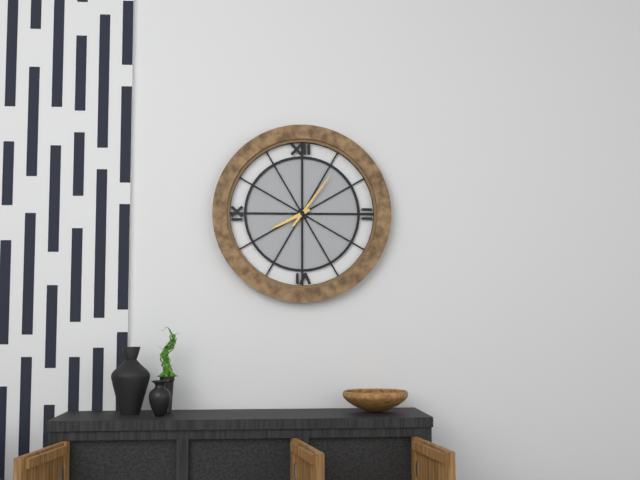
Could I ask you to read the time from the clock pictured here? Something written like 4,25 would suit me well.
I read 8,06
